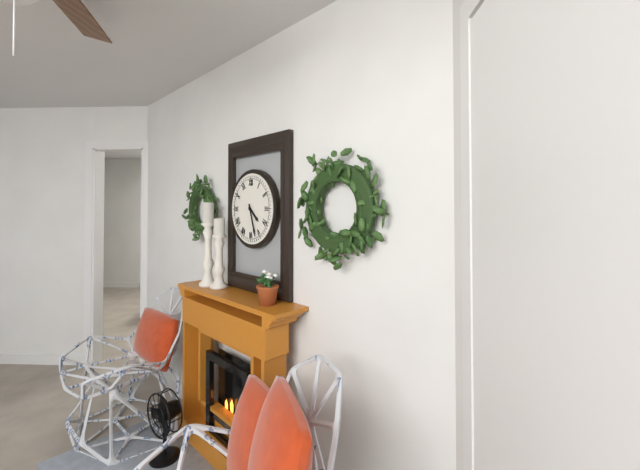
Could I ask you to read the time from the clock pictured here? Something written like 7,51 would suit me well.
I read 4,27
